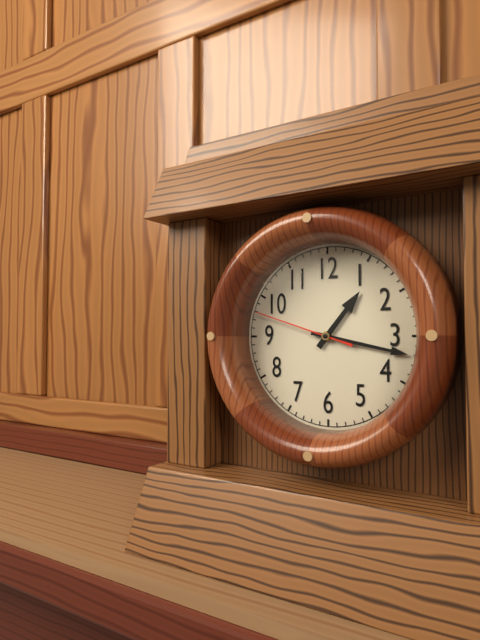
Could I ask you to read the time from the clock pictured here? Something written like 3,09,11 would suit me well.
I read 1,17,48
